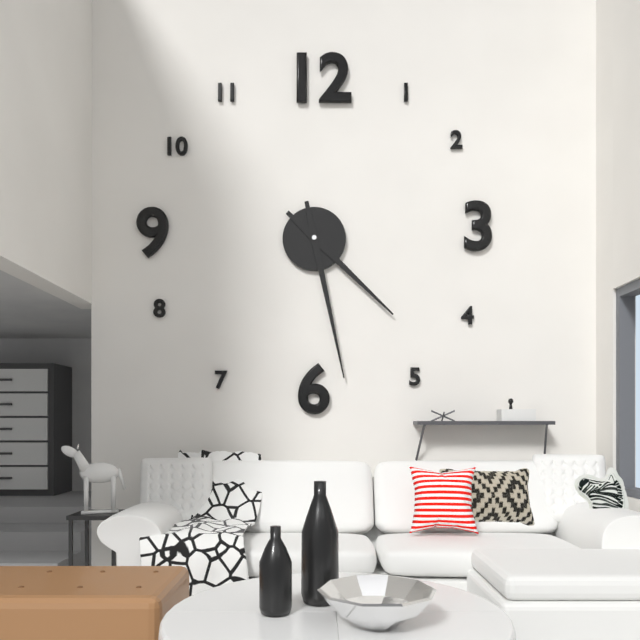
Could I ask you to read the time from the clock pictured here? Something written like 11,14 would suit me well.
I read 4,28
